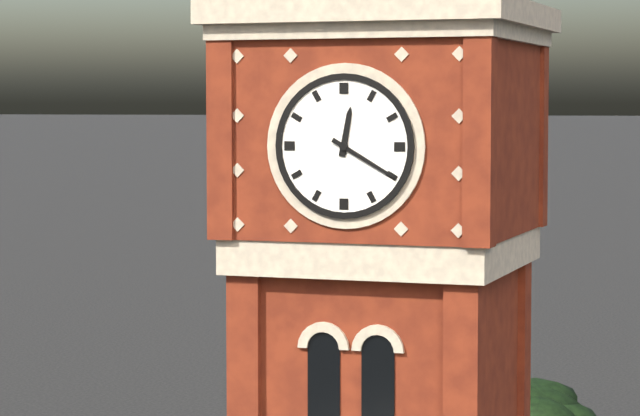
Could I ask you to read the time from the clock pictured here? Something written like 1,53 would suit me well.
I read 12,20
